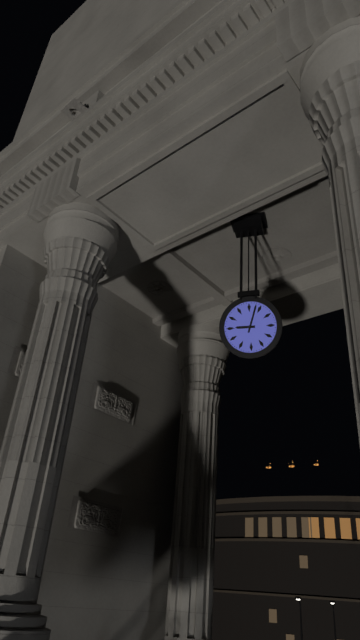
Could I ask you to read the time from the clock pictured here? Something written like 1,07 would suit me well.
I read 9,03
